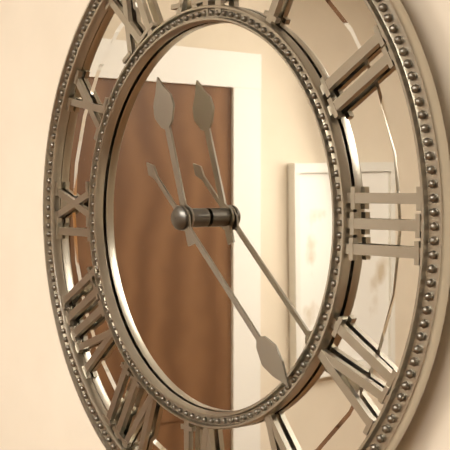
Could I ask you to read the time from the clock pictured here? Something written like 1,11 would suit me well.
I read 11,22
